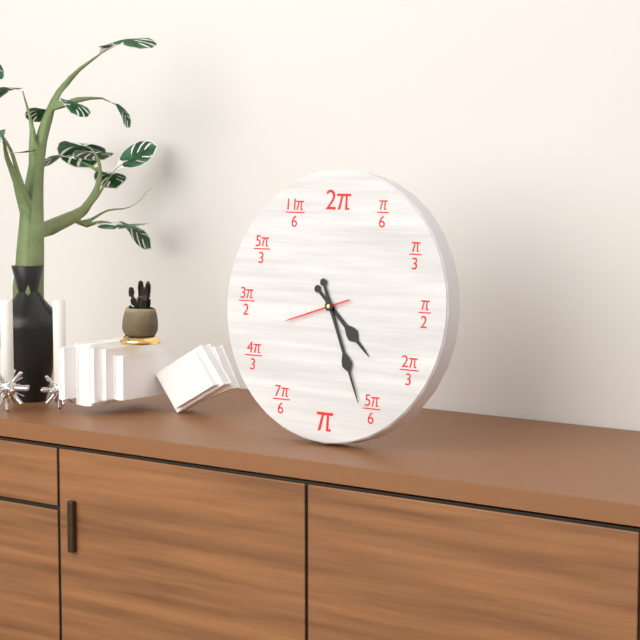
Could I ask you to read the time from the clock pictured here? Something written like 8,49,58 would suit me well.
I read 4,26,42
